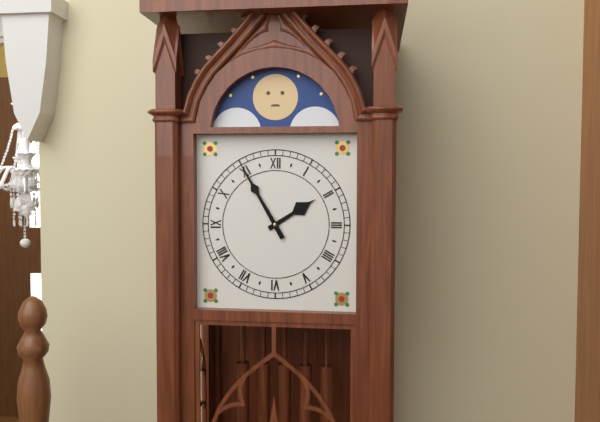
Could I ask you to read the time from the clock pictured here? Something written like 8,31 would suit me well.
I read 1,55
